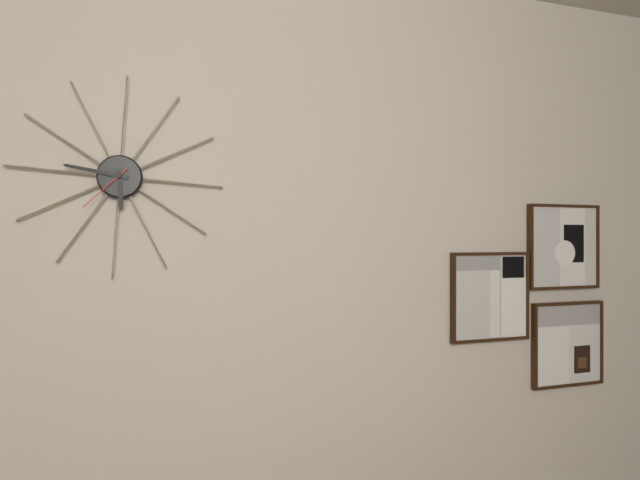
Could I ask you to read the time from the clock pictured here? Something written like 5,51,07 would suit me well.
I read 5,46,37
